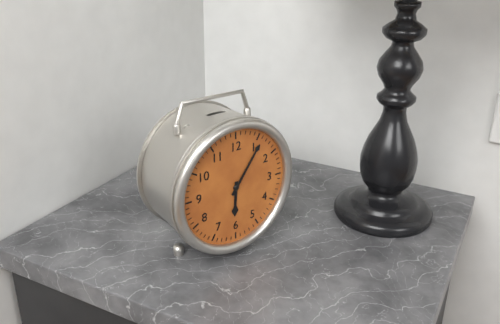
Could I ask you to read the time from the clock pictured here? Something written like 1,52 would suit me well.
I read 6,06
